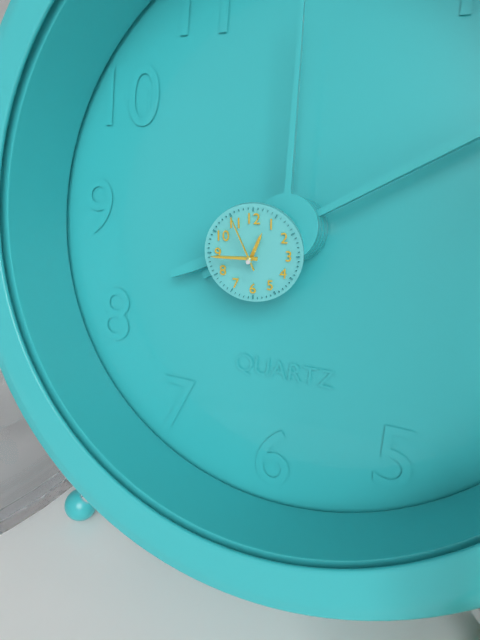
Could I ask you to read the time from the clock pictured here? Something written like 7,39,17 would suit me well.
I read 12,45,56
